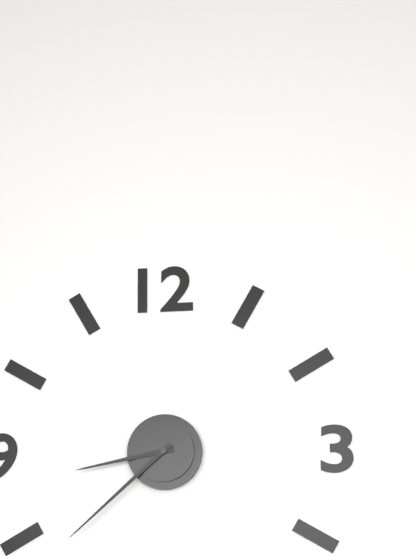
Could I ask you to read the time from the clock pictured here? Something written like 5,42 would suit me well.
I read 8,38
